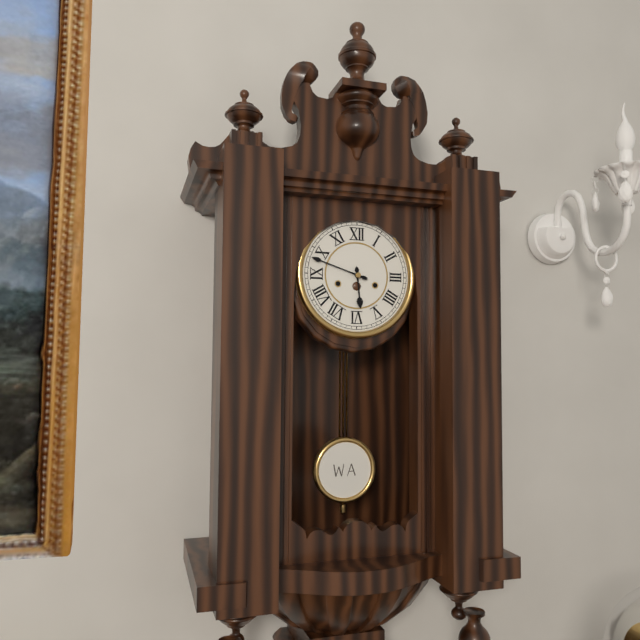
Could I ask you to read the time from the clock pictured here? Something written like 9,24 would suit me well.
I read 5,48
